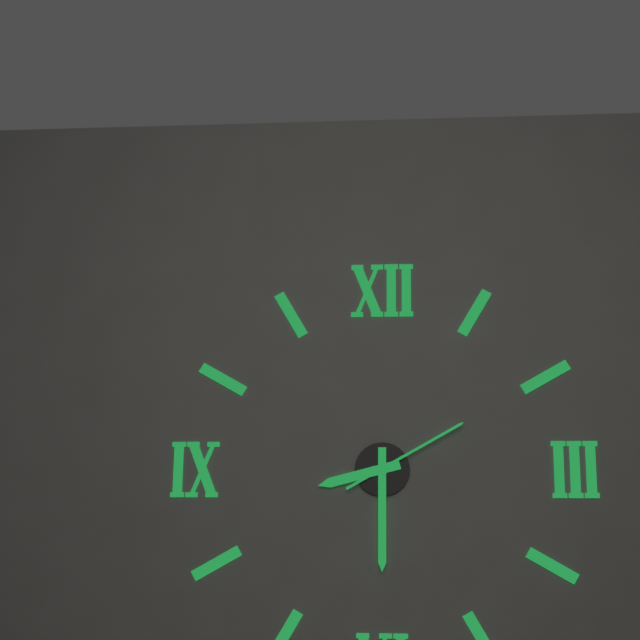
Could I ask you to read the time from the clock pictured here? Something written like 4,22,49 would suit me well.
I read 8,30,10
